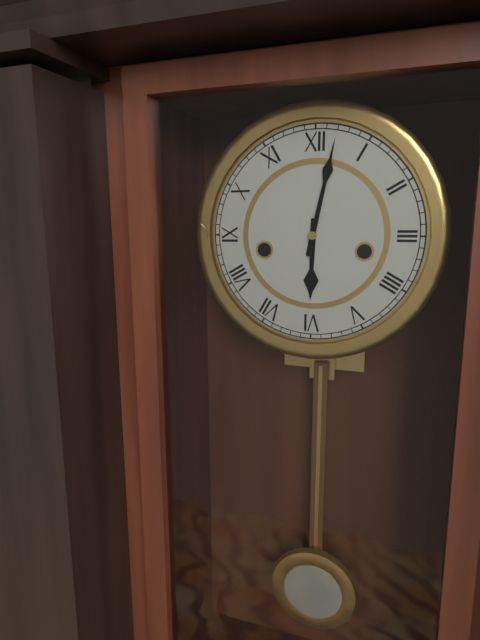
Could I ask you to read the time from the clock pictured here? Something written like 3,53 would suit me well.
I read 6,02
